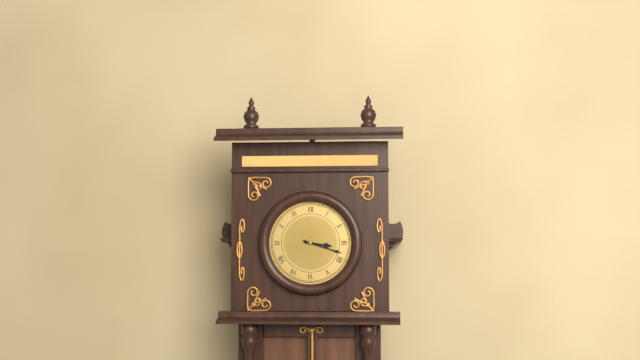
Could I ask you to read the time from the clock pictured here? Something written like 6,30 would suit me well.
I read 3,18
